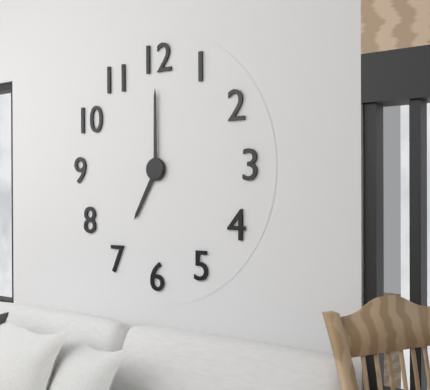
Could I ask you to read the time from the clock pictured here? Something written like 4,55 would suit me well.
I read 7,00
